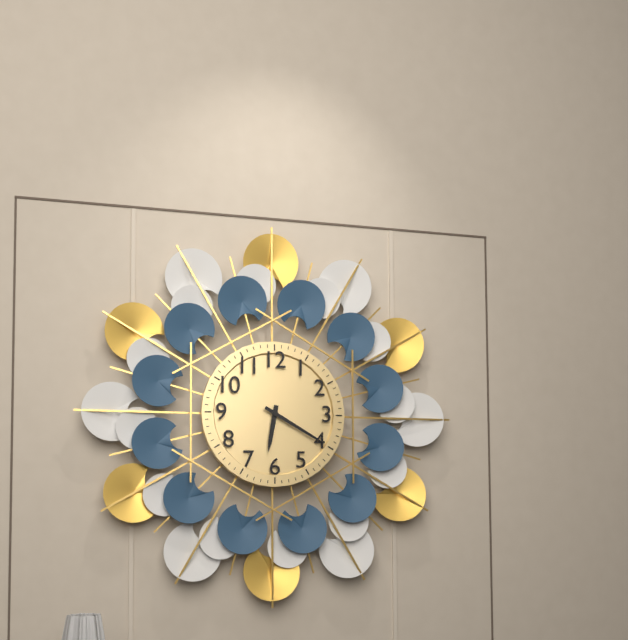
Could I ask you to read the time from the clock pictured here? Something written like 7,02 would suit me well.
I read 6,20
